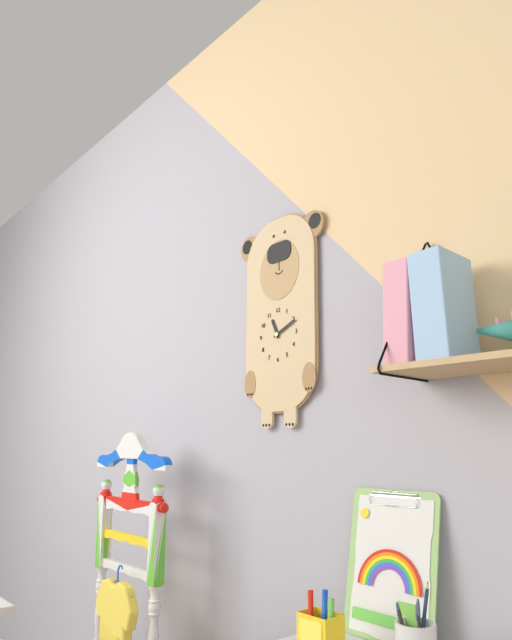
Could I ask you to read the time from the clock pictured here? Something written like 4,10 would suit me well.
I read 11,11
